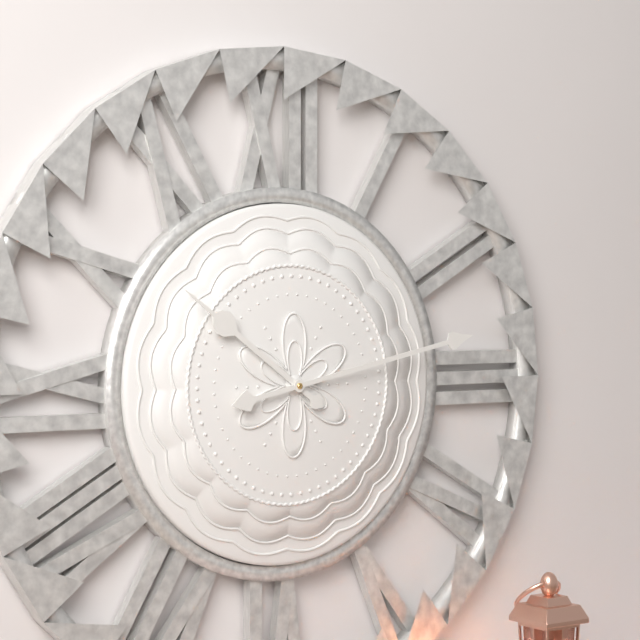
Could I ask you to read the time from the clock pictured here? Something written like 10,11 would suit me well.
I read 10,13
